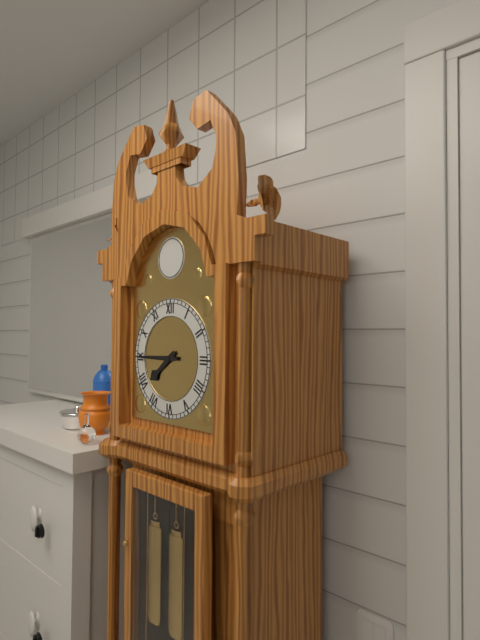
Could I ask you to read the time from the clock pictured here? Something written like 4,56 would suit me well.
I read 7,45
